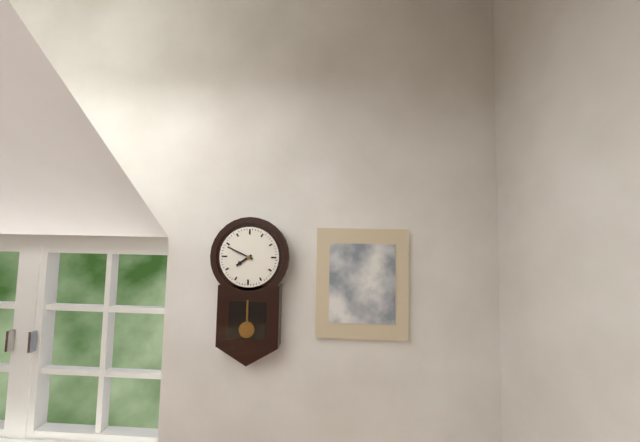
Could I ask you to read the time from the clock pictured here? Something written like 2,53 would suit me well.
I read 7,49
